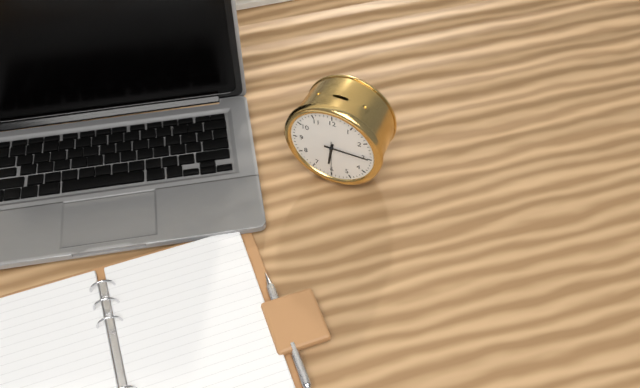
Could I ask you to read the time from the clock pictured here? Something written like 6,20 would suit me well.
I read 6,15
